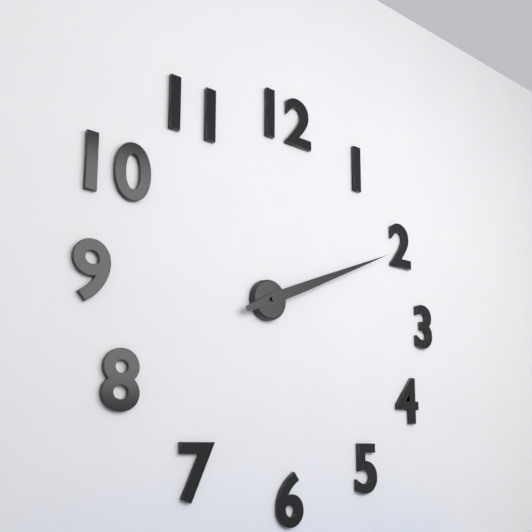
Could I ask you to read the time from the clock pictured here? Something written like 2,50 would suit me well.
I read 2,11
